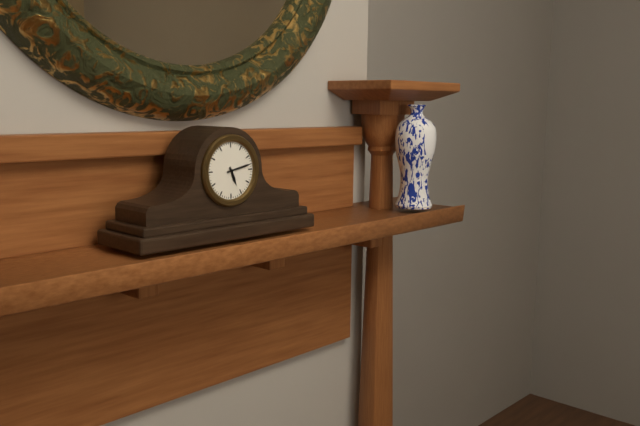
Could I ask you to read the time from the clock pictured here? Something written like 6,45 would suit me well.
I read 5,13
